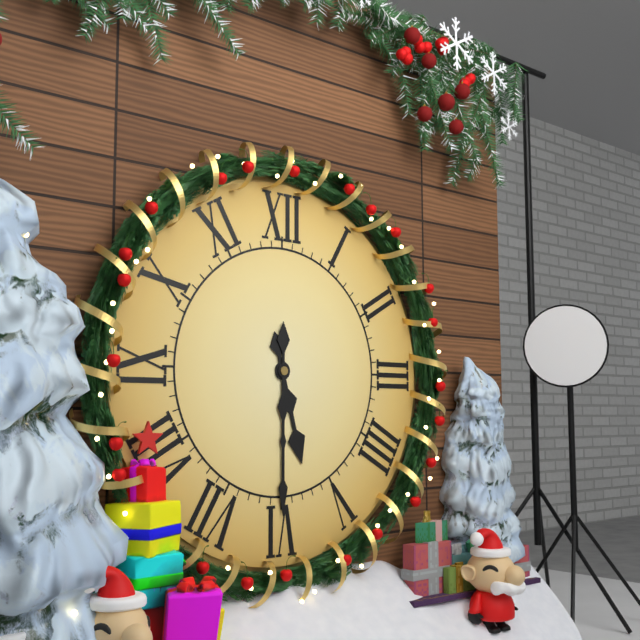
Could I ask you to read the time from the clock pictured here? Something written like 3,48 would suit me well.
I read 5,30
